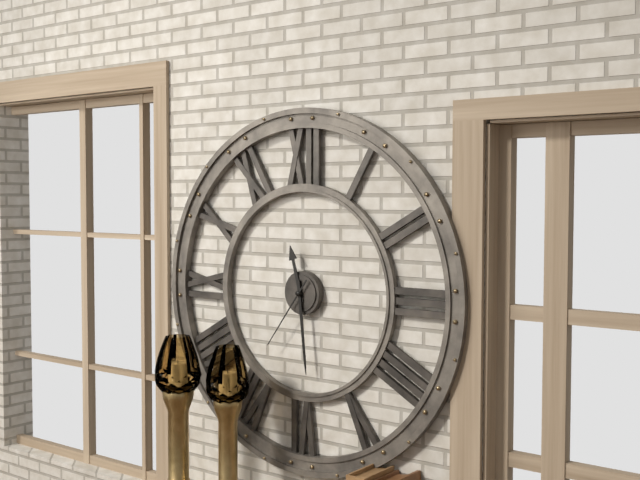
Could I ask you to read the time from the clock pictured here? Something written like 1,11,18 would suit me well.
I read 11,29,36
